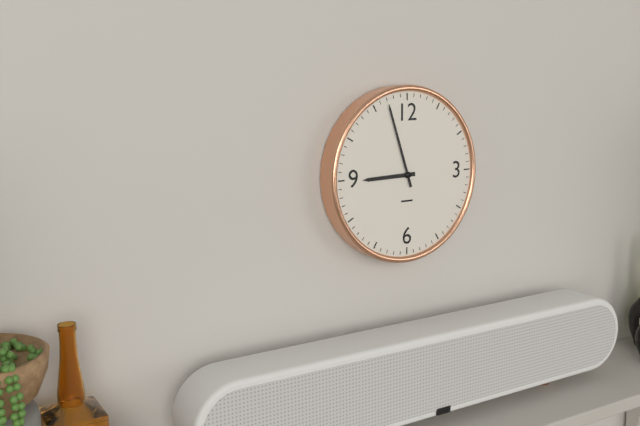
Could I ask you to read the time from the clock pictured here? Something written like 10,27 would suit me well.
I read 8,57
